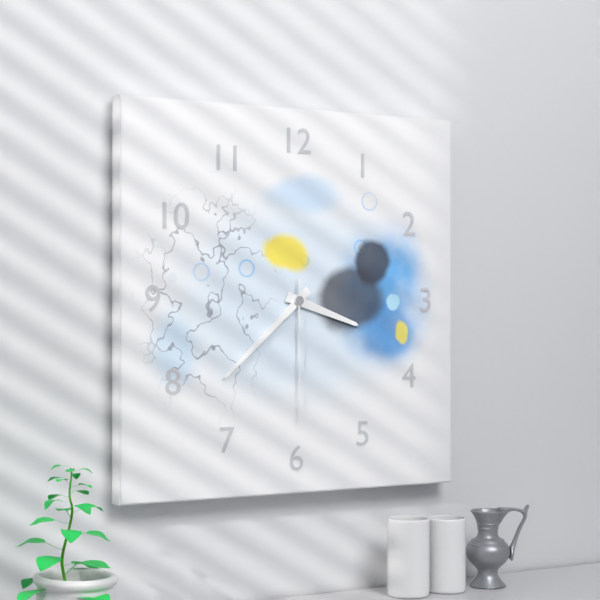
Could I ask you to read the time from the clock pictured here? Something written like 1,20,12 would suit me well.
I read 3,38,30
